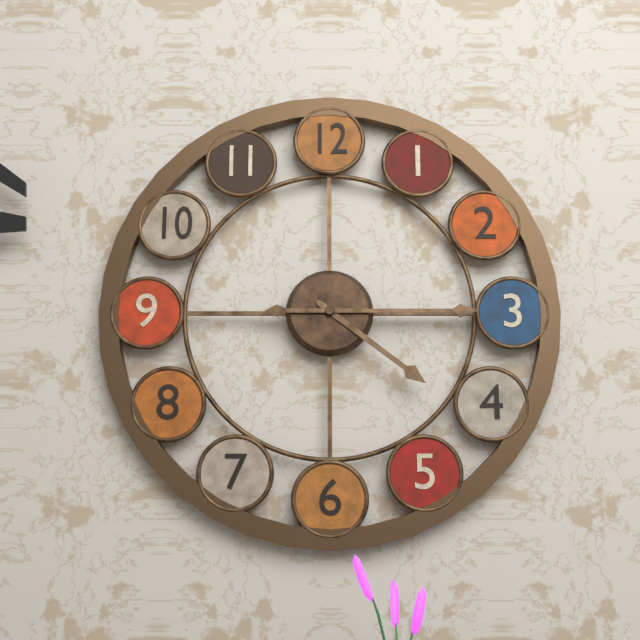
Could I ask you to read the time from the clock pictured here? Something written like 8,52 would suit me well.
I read 4,15
